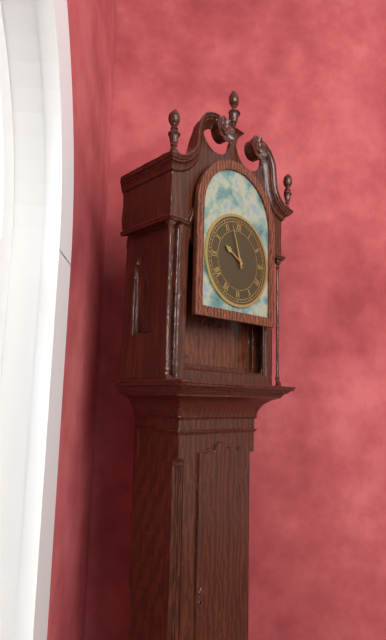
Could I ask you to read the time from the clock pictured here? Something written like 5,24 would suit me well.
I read 9,57
